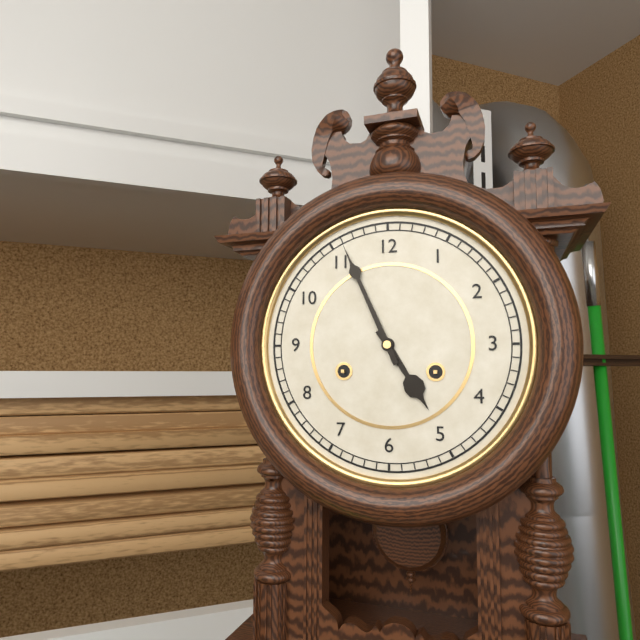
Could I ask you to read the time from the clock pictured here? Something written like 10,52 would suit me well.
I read 4,56
